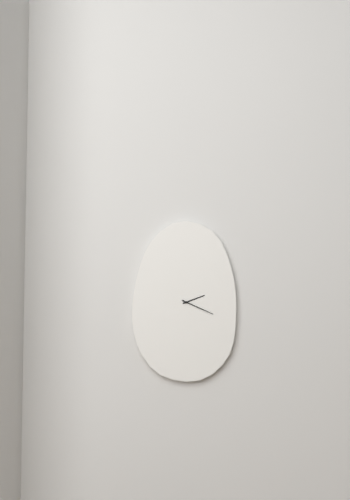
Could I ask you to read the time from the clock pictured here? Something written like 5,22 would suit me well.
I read 2,19
